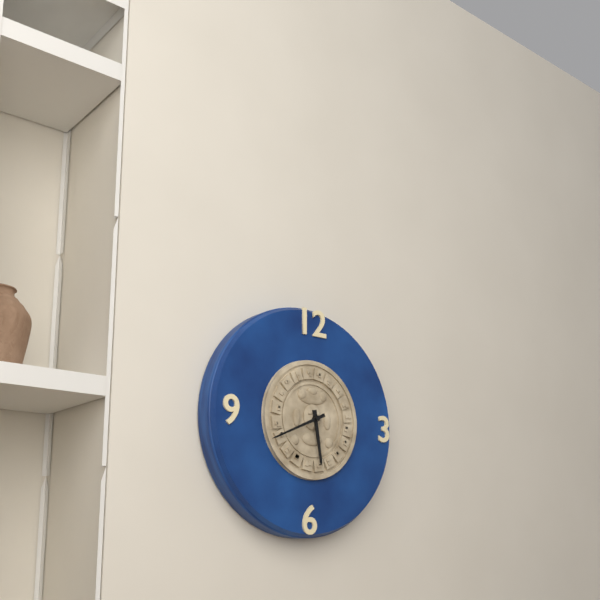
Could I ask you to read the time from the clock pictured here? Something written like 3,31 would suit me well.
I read 5,41
